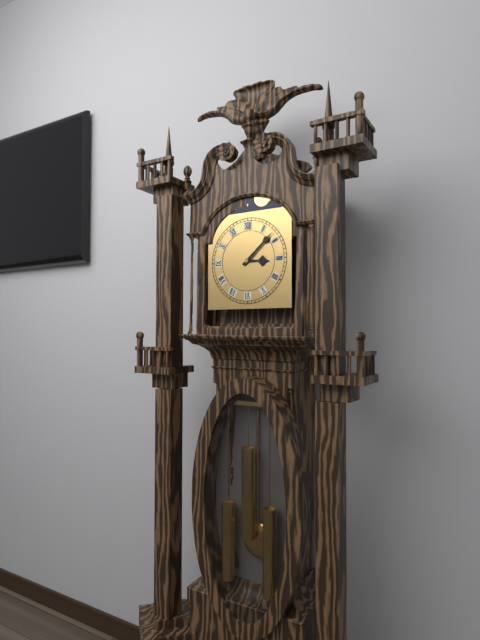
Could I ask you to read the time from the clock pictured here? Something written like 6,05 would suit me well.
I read 3,08
